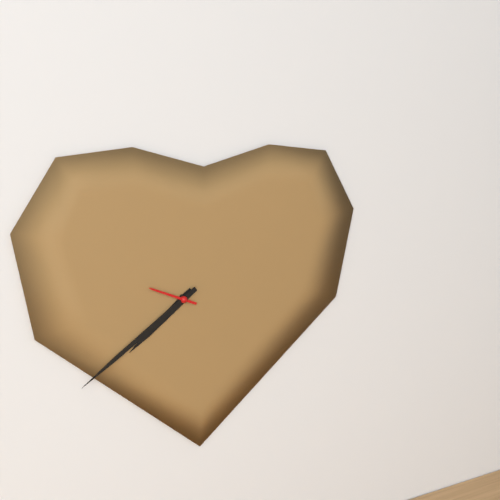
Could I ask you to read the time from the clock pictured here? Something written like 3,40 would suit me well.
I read 7,39
